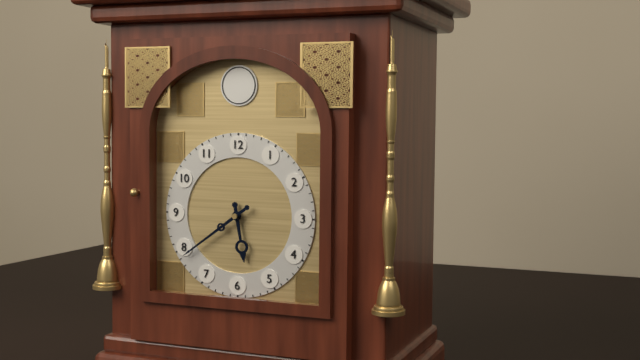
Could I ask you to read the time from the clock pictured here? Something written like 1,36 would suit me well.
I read 5,39
